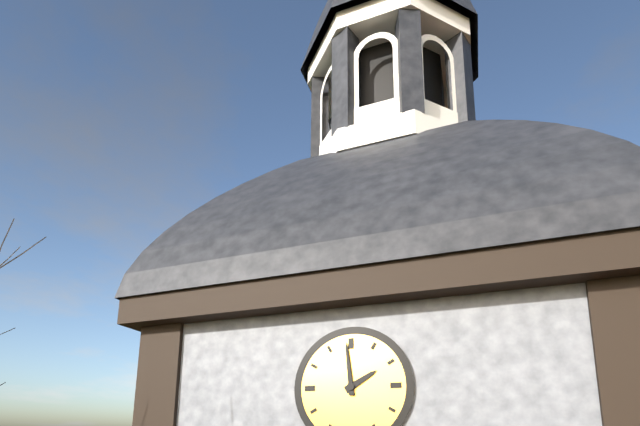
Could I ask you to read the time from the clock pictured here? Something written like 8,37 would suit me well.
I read 1,59
